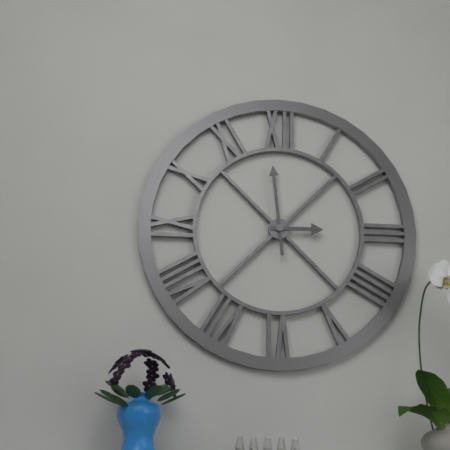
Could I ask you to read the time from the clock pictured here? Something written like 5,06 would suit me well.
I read 2,59
